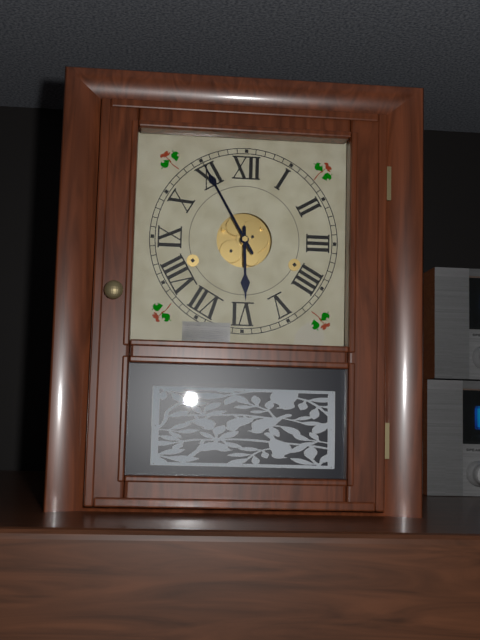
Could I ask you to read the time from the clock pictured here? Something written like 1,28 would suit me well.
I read 5,55
